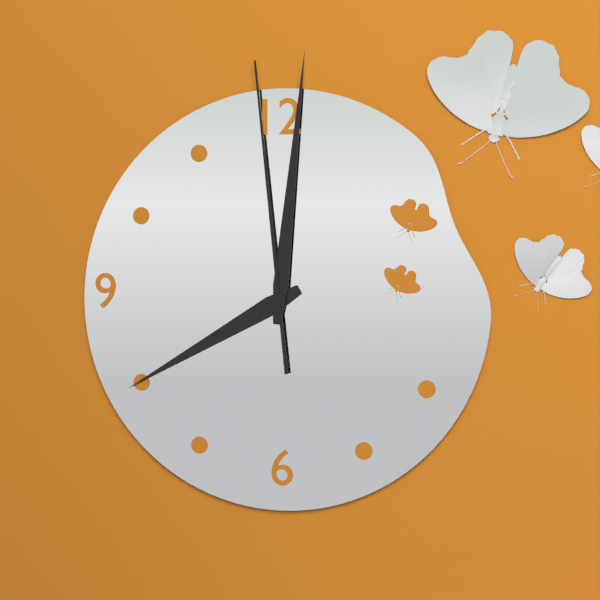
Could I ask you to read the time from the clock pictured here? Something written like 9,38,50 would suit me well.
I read 8,01,59
